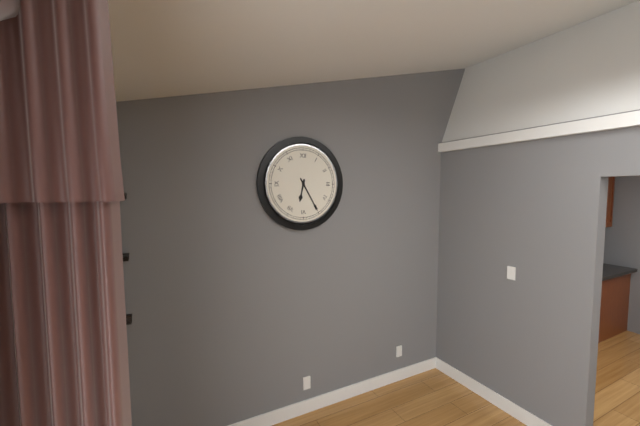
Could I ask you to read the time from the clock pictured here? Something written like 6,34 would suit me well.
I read 6,25
